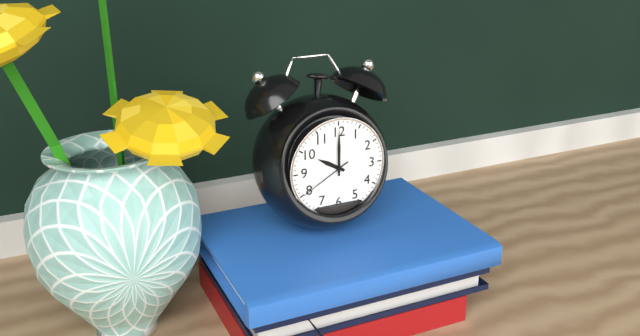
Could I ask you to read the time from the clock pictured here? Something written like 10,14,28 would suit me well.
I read 10,00,40
